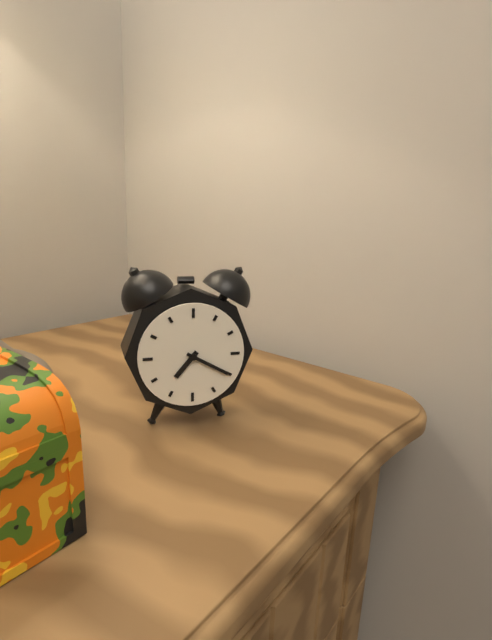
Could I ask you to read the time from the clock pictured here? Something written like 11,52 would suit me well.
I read 7,20
